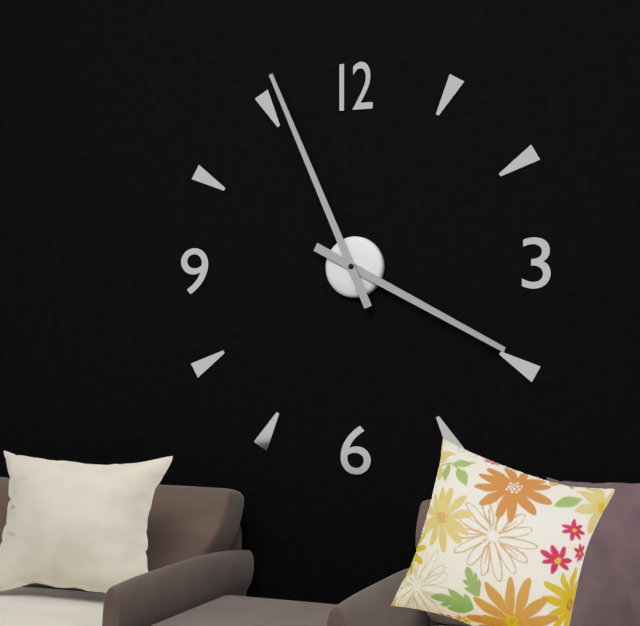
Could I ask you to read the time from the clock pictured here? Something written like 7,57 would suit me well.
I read 3,56
